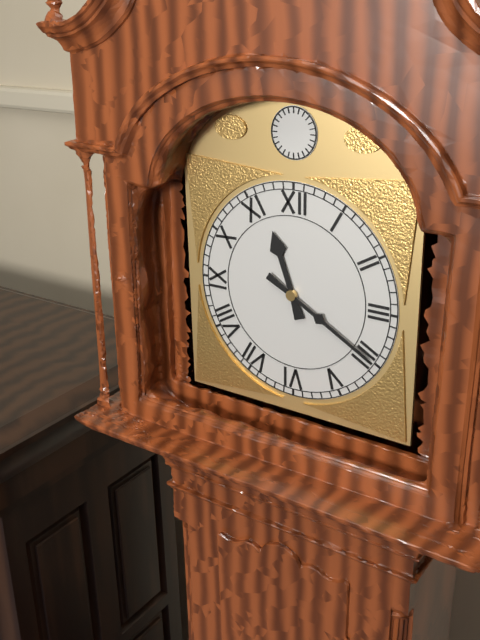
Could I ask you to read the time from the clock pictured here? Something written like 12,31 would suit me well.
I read 11,20
